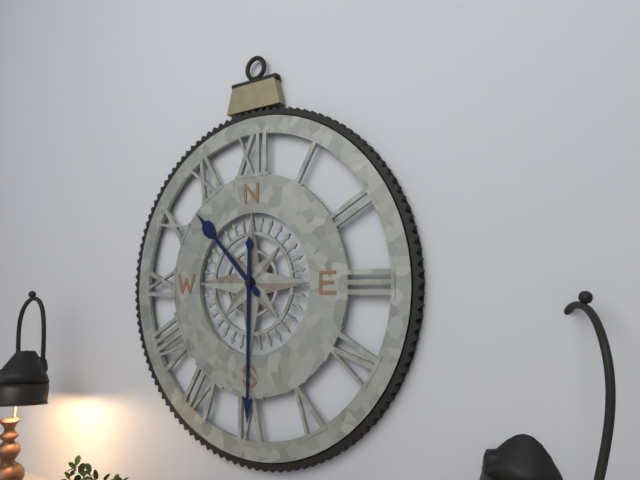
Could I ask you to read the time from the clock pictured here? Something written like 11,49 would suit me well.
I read 10,30
